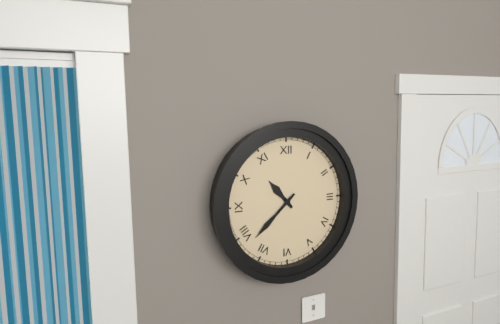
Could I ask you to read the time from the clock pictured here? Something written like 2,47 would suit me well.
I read 10,38
